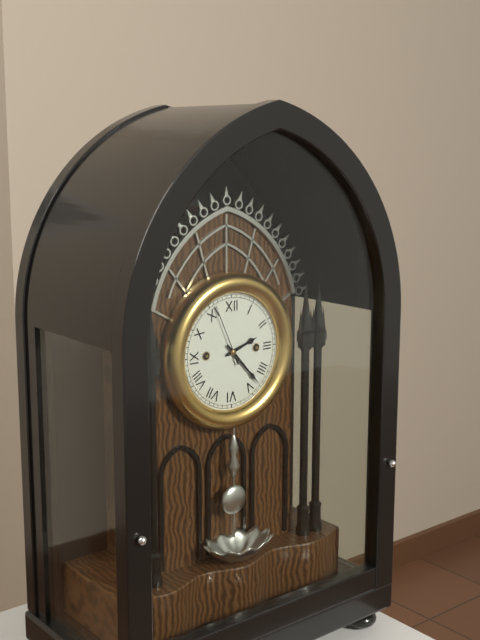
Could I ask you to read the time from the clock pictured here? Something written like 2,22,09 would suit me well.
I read 2,23,56
